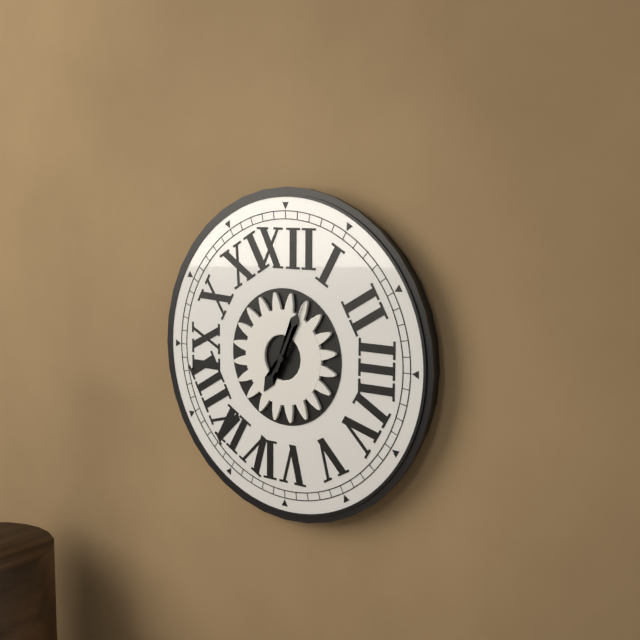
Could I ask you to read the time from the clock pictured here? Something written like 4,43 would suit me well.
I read 7,04
